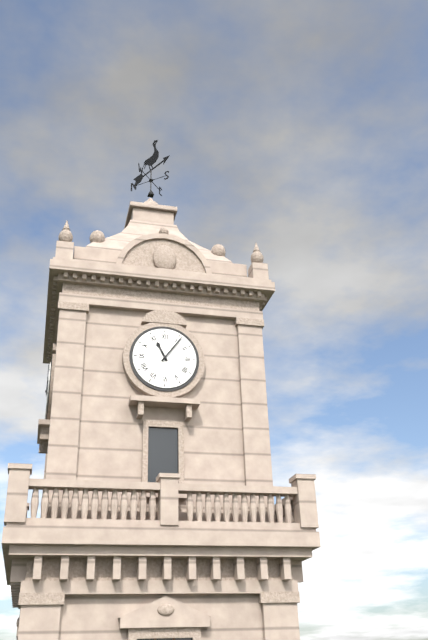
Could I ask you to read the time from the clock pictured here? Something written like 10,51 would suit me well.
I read 11,06
